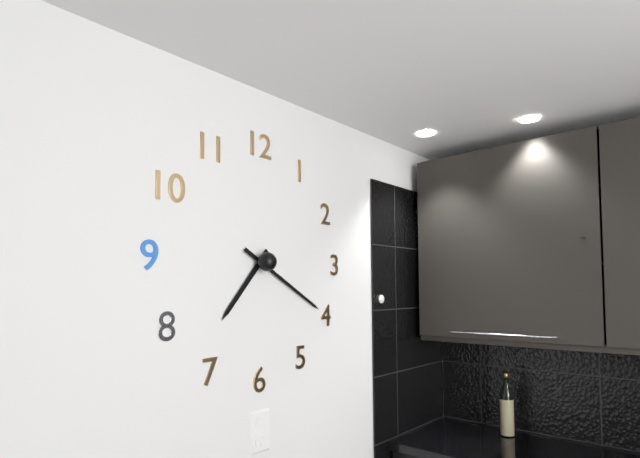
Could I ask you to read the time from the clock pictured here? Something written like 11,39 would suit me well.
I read 7,20
